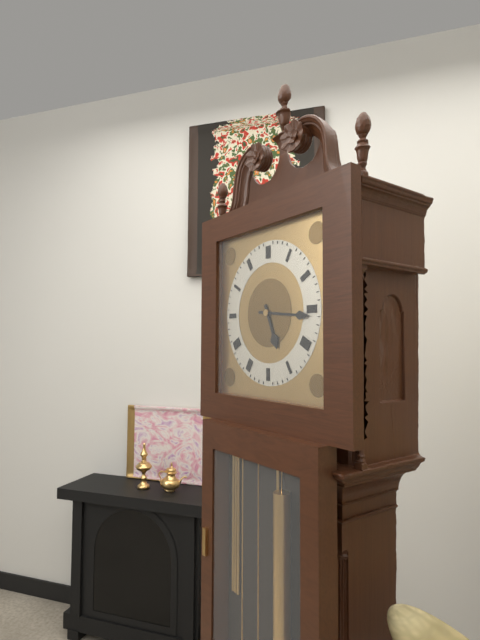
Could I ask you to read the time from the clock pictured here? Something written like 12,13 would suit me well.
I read 5,16
